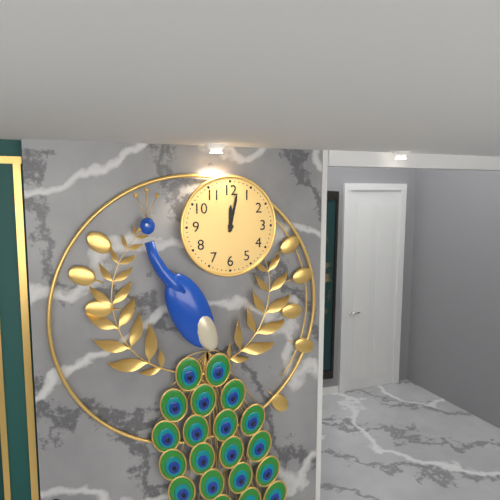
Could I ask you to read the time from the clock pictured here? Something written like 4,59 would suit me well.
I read 12,02
